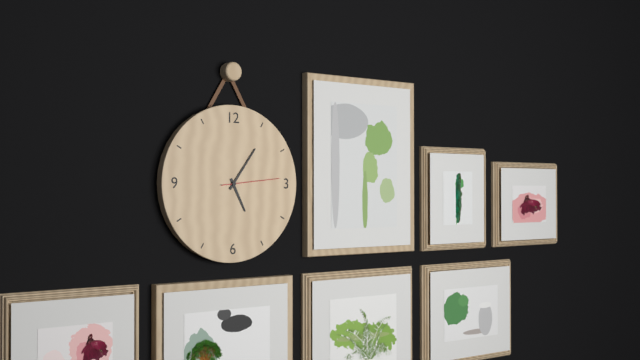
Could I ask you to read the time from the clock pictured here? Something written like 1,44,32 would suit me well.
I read 5,06,14
